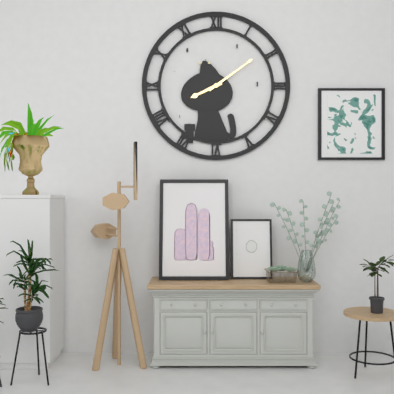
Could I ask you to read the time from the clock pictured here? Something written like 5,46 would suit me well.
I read 8,09
